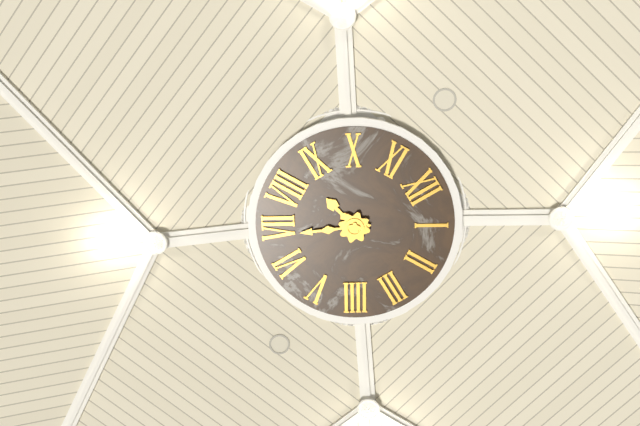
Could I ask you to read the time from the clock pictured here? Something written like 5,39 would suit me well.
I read 8,34
